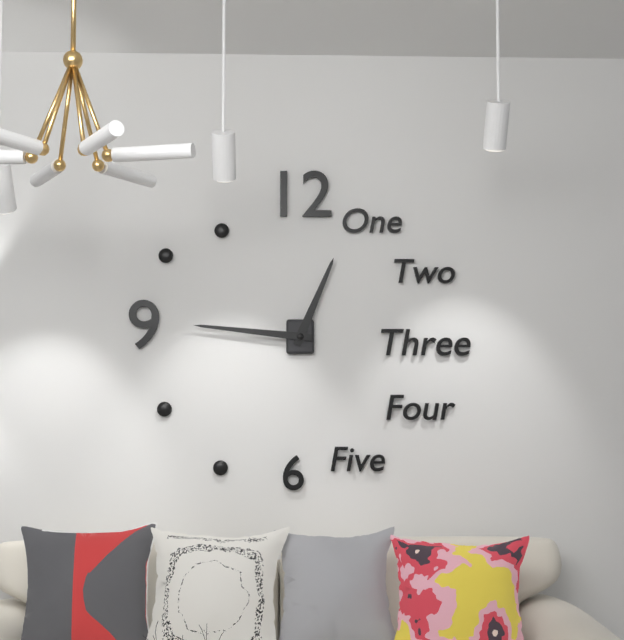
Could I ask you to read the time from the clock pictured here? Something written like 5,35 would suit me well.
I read 12,46
